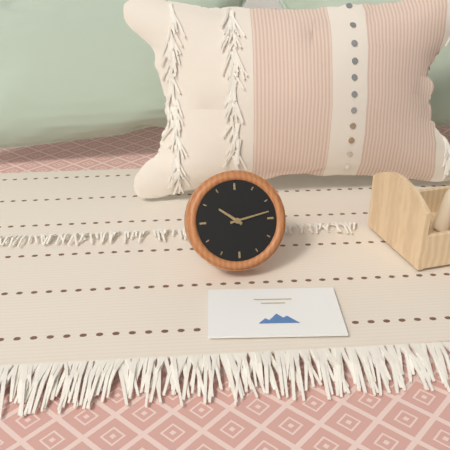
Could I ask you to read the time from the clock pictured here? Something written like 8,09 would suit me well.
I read 10,13
